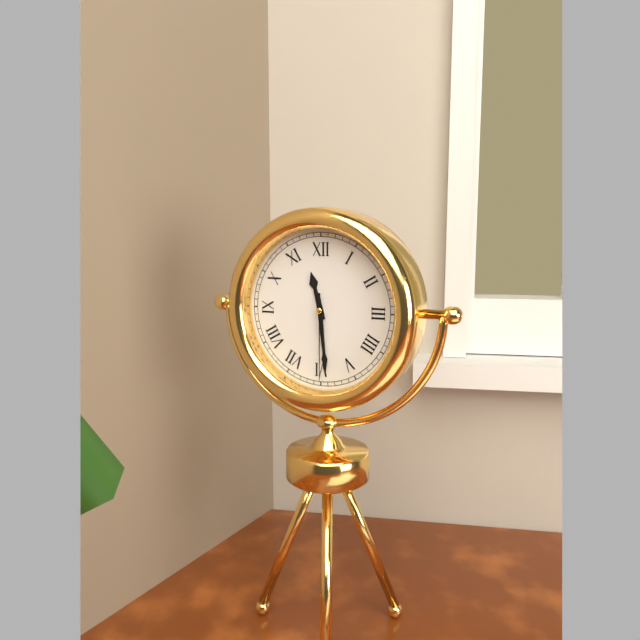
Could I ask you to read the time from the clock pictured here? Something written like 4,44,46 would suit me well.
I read 11,29,30
